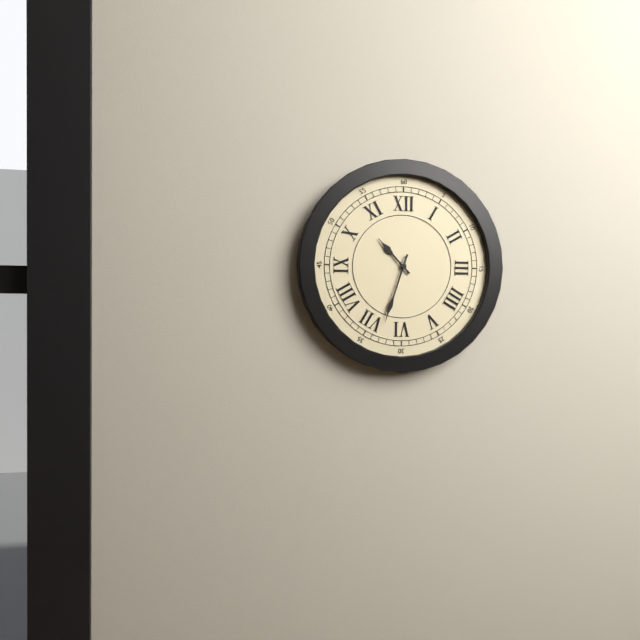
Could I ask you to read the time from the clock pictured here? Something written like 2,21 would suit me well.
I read 10,33
